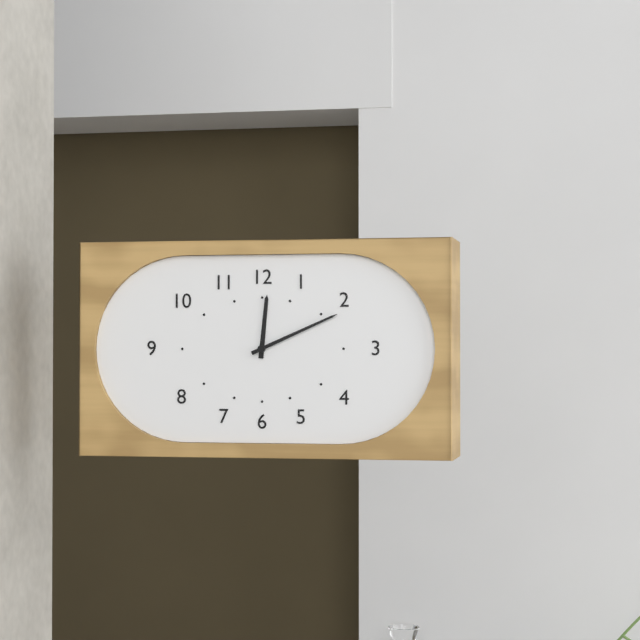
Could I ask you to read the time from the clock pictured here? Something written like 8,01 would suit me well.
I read 12,11
